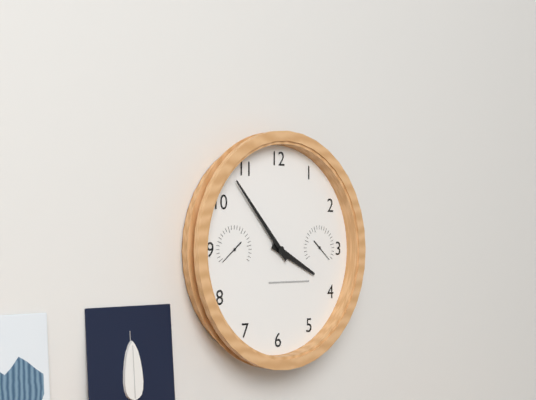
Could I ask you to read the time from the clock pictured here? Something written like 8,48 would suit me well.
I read 3,53
